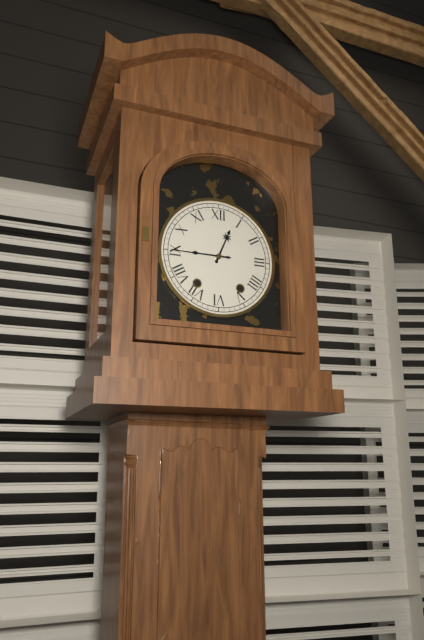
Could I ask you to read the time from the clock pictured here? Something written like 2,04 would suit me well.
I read 12,45
